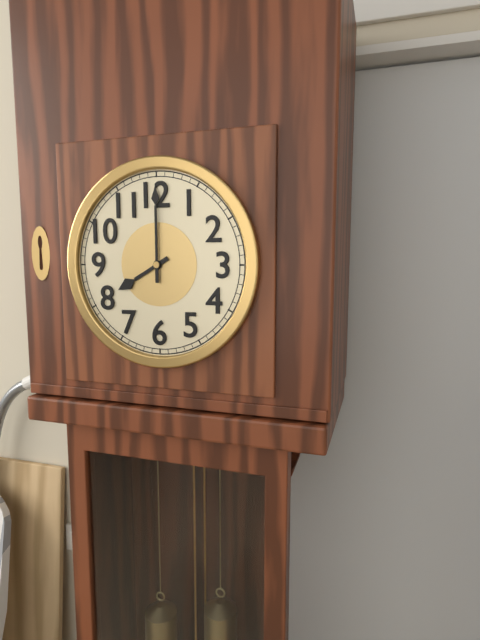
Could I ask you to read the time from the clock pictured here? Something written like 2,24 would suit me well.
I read 8,00
